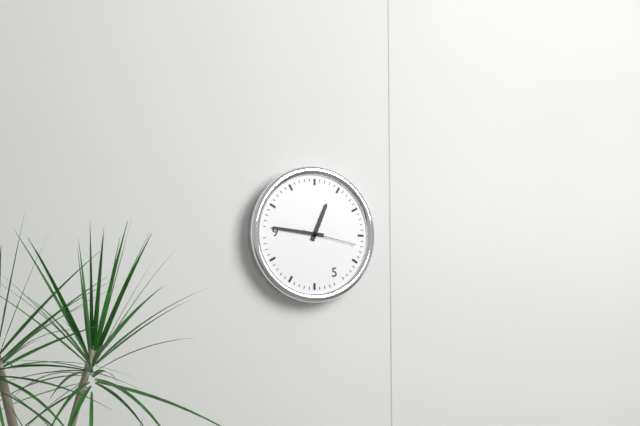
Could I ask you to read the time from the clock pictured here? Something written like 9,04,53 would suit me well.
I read 12,46,17
